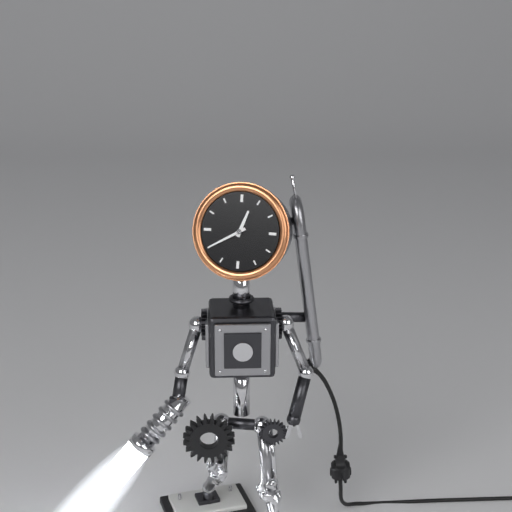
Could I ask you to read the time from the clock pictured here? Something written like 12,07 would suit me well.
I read 12,40
